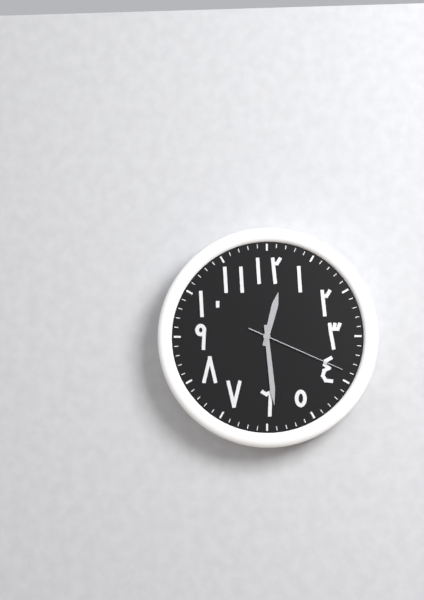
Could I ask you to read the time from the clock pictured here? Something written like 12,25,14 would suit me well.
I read 12,29,19
